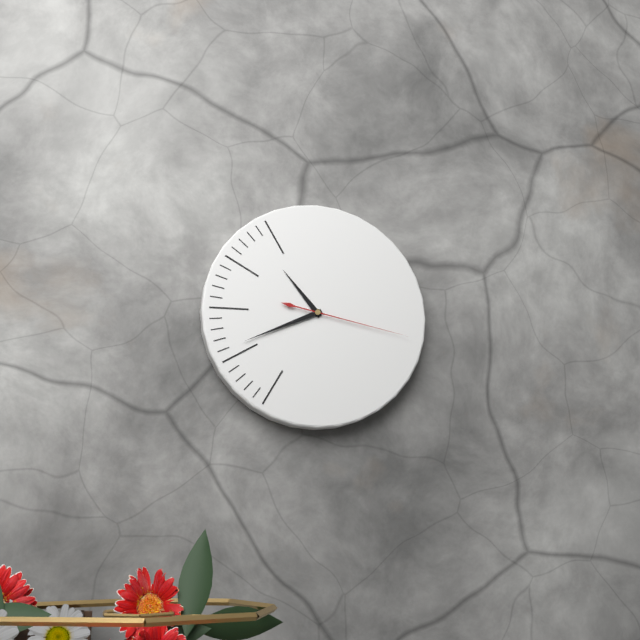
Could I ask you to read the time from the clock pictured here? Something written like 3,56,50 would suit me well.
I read 10,41,17
